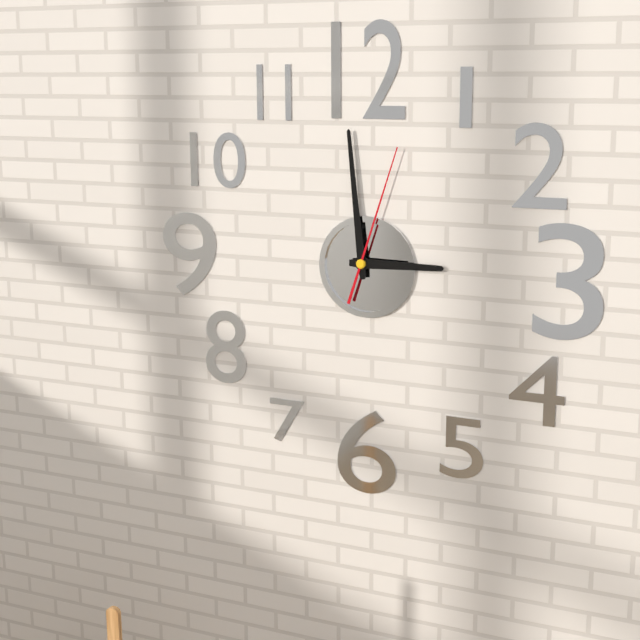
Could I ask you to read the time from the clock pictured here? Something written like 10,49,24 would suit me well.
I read 2,59,03
